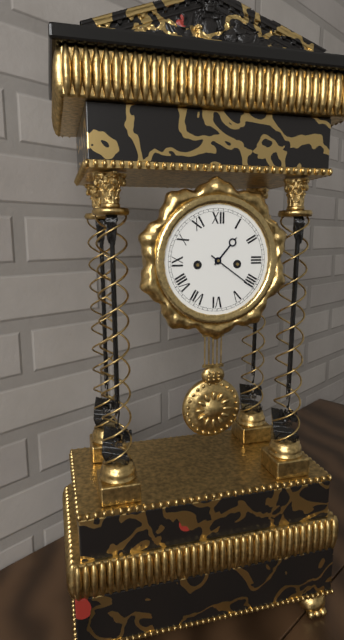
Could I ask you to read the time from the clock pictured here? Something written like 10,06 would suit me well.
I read 1,21
